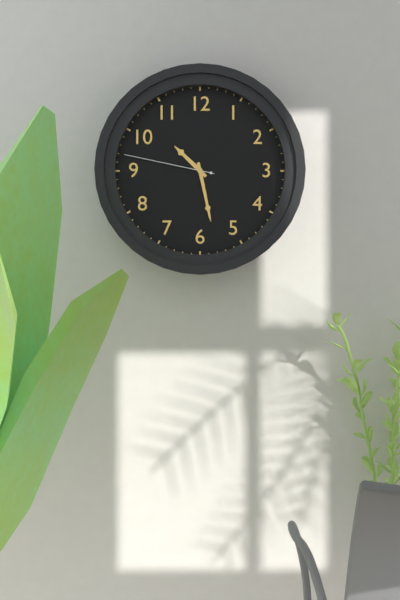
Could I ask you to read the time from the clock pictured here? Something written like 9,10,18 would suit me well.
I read 10,28,47
